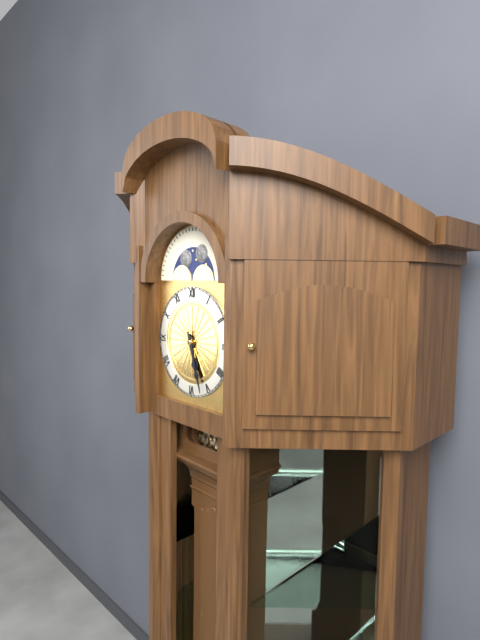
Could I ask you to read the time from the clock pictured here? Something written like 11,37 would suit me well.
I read 5,27
